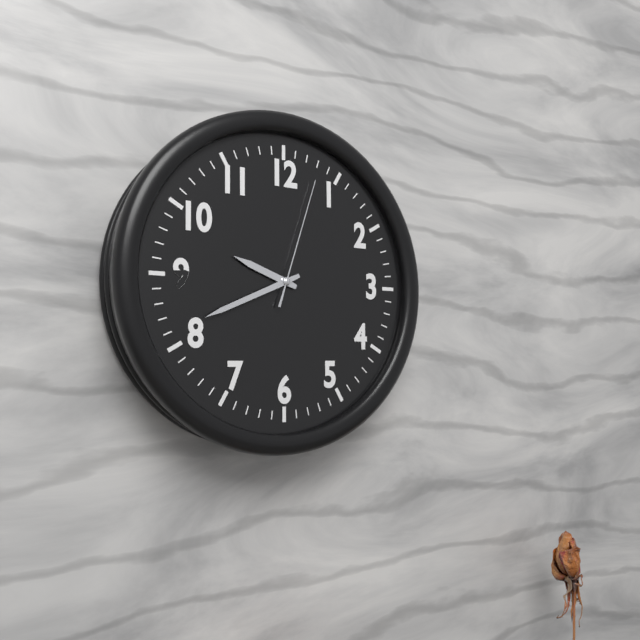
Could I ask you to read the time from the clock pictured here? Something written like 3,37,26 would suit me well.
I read 9,41,03
